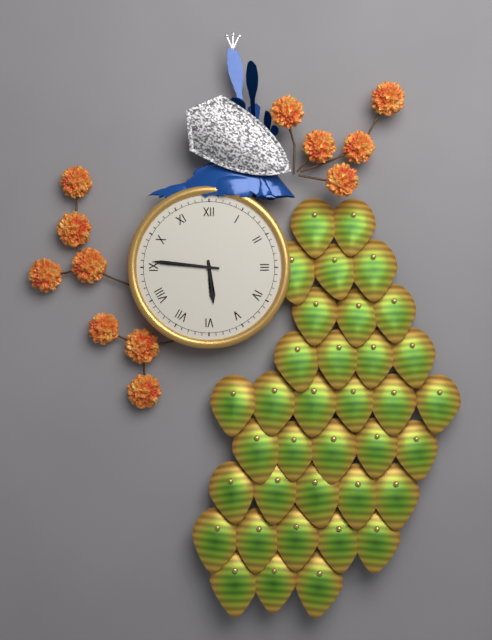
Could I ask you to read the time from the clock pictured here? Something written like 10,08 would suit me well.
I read 5,46
